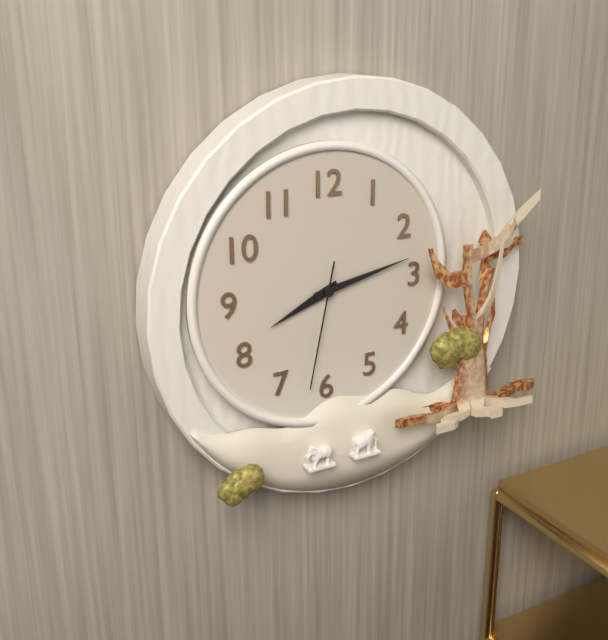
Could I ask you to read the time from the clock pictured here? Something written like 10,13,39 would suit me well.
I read 8,13,32
